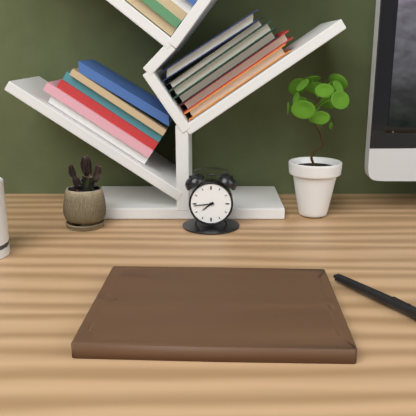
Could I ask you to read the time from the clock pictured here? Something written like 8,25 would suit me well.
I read 7,44
